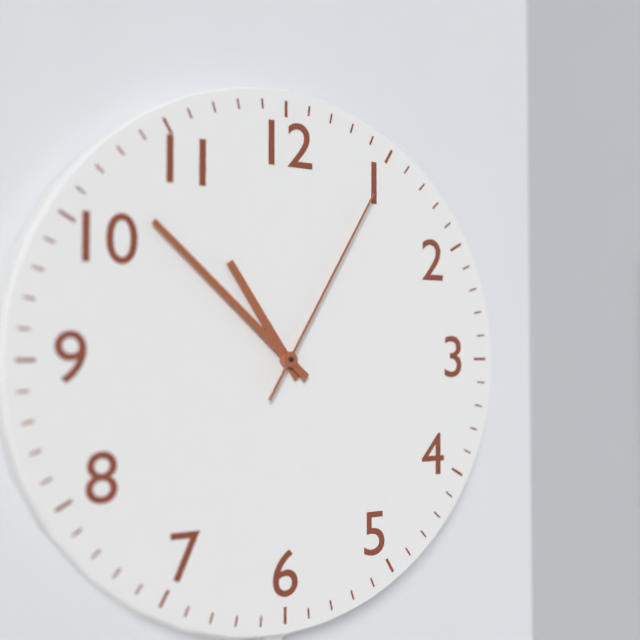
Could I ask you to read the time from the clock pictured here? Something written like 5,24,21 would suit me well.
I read 10,52,05
